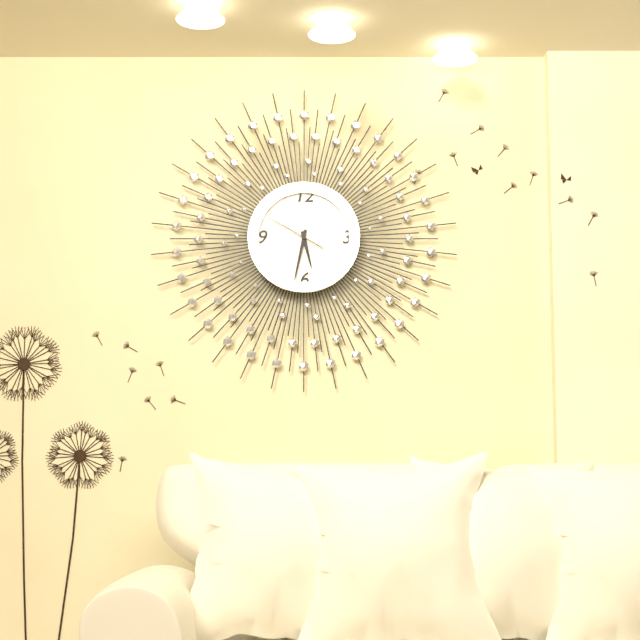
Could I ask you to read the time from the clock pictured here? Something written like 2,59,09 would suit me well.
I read 5,32,50
